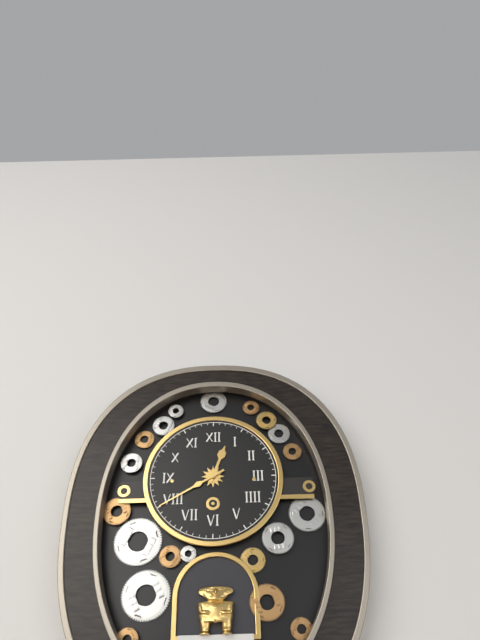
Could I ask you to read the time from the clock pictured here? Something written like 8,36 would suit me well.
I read 12,40
